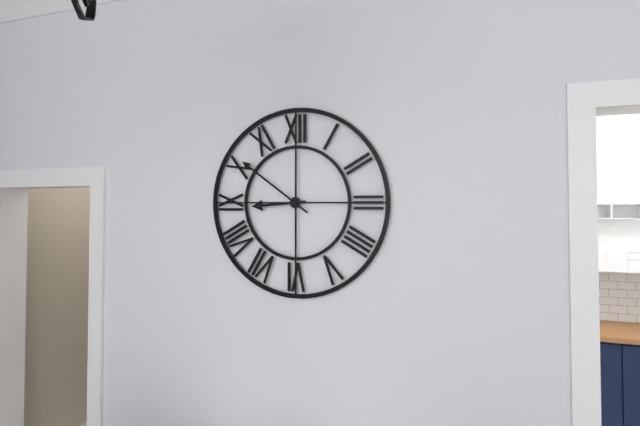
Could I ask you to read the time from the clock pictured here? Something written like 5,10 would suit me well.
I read 8,51
